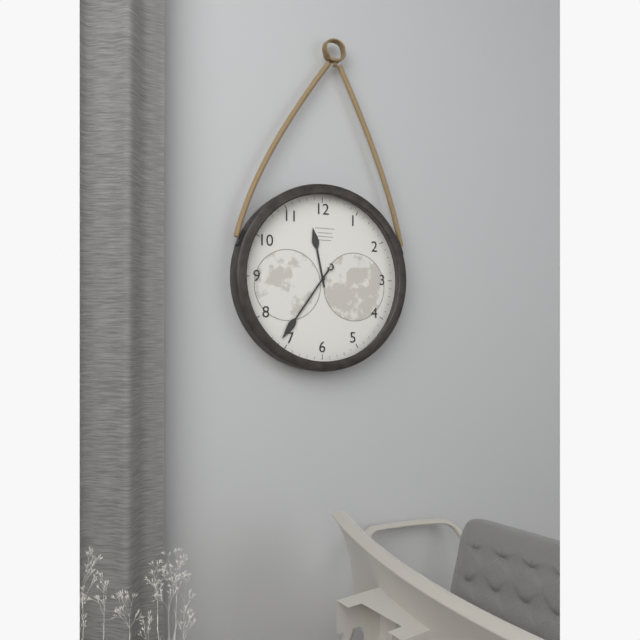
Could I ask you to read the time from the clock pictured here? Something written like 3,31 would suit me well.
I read 11,36
